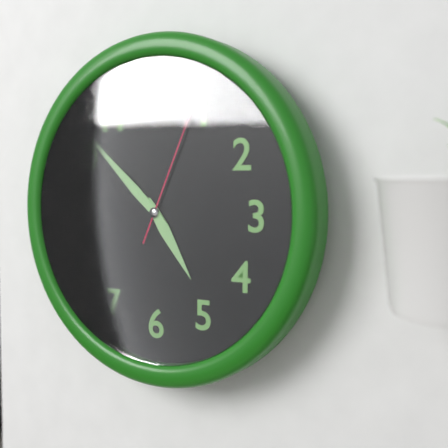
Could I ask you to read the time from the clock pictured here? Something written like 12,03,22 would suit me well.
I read 4,52,04
